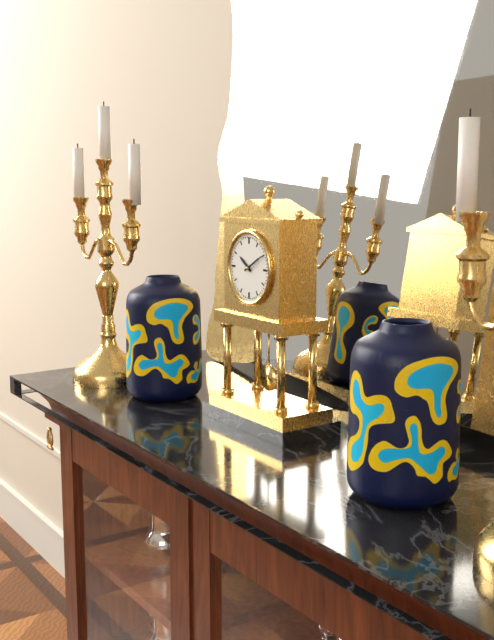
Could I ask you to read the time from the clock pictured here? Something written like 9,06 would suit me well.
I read 10,10
